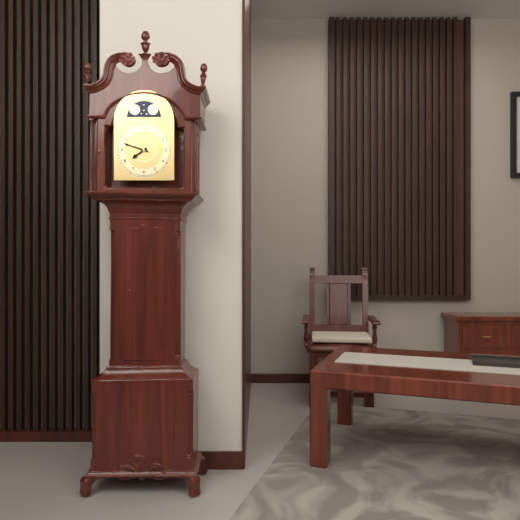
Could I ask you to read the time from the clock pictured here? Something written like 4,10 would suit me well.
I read 7,48
